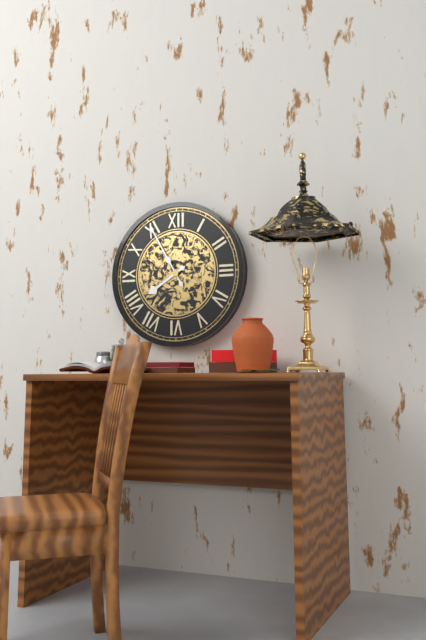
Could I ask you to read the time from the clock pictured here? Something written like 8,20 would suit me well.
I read 7,55
